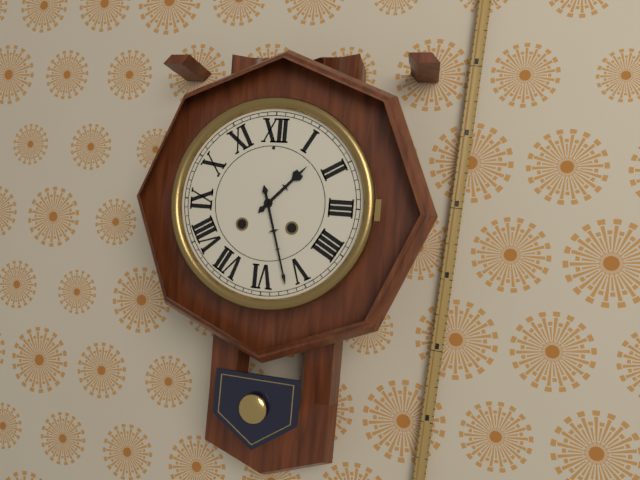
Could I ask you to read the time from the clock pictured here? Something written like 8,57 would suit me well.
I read 1,27
